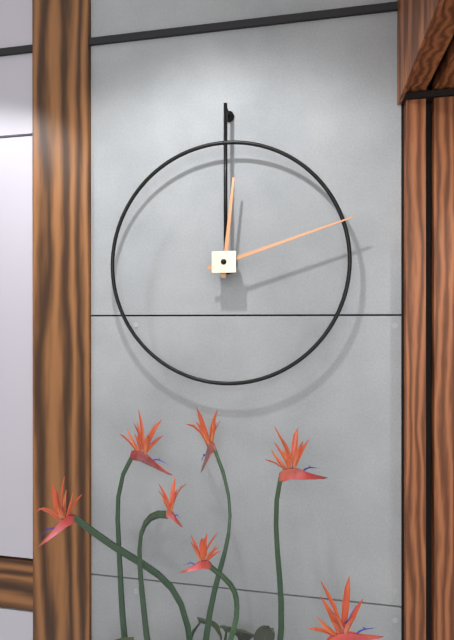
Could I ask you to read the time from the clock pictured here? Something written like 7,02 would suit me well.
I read 12,12
